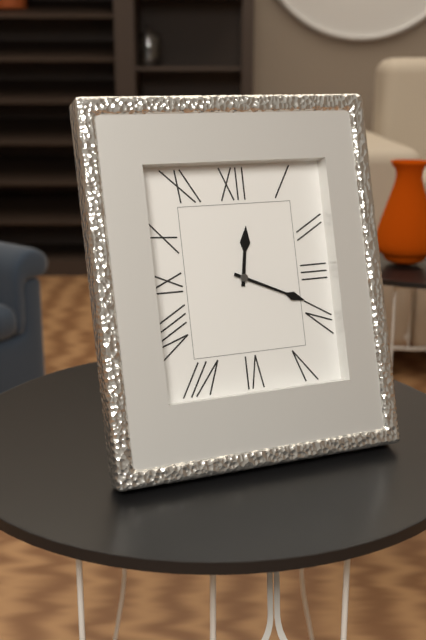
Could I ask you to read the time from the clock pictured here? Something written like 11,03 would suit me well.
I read 12,19
